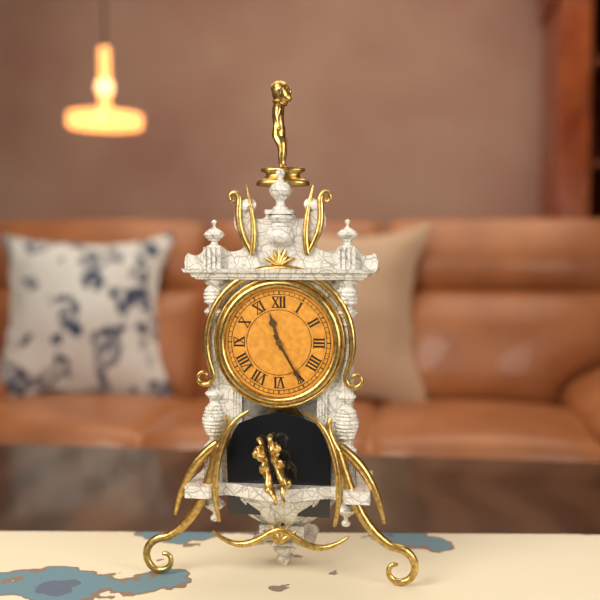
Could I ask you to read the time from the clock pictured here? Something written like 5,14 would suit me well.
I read 11,25
